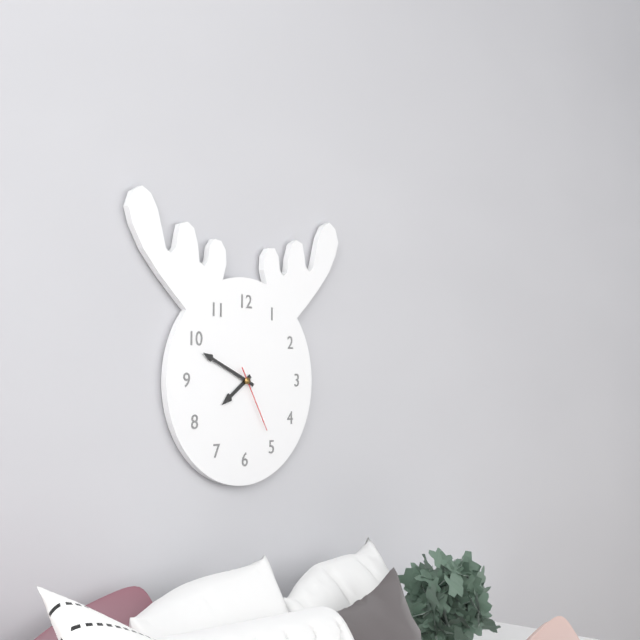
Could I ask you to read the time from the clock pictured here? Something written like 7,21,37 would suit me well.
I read 7,49,25
